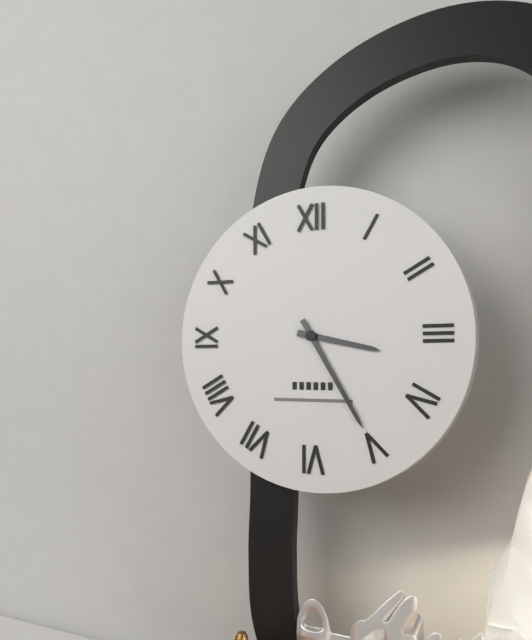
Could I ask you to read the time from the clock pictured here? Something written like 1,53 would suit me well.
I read 3,25
